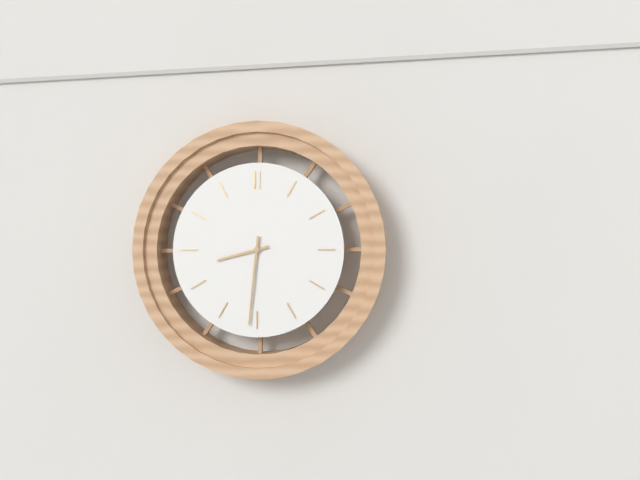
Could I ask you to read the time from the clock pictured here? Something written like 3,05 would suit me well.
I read 8,31
